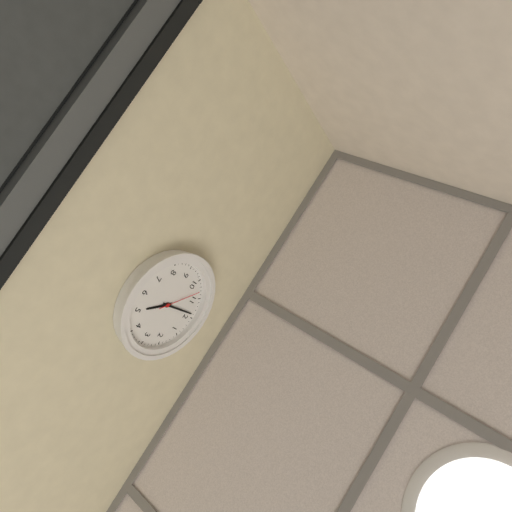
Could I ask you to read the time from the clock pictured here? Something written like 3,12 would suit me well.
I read 4,59
